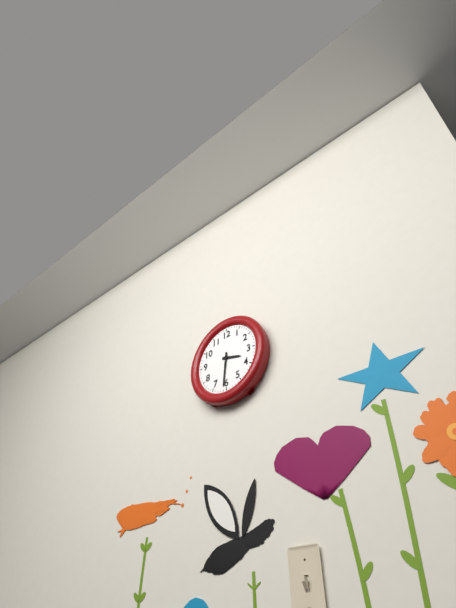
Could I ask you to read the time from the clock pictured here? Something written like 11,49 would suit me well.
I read 3,31
